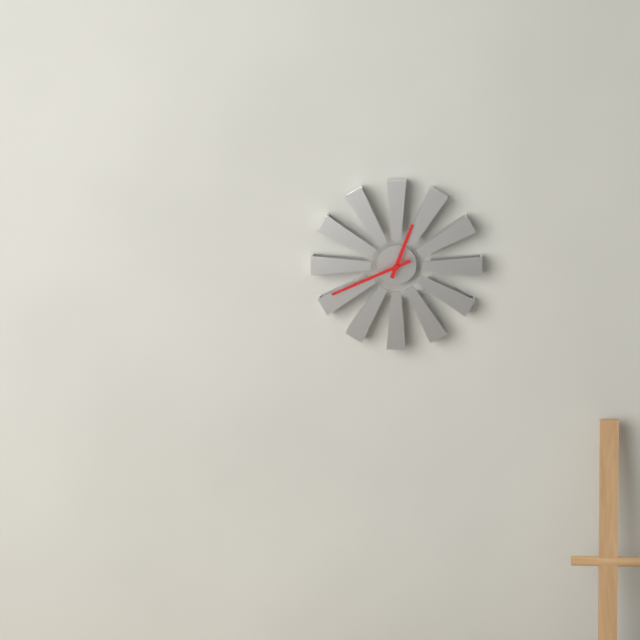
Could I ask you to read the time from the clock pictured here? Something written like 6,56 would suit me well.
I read 12,41
